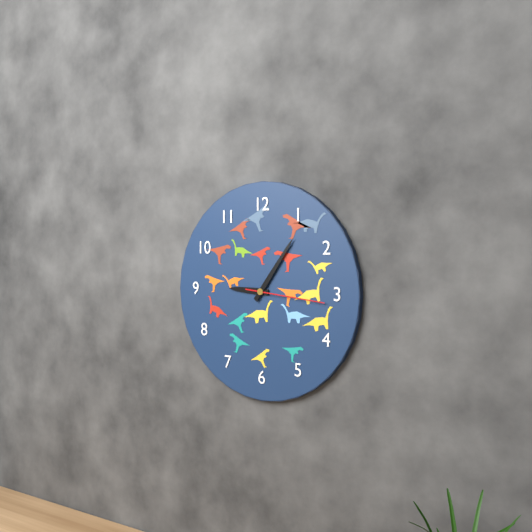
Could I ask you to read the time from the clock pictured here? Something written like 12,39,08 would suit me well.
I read 9,06,16
